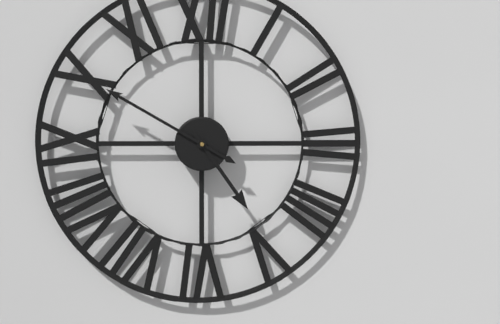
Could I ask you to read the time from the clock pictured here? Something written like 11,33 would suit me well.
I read 4,50
